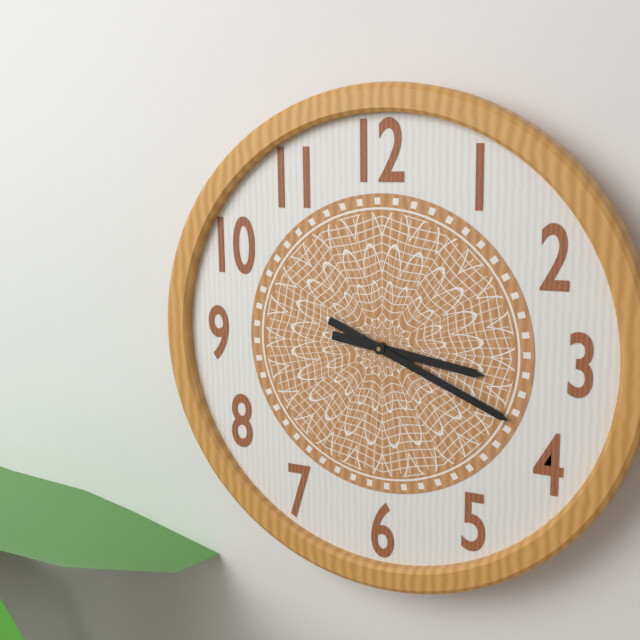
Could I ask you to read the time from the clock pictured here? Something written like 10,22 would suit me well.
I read 3,19
